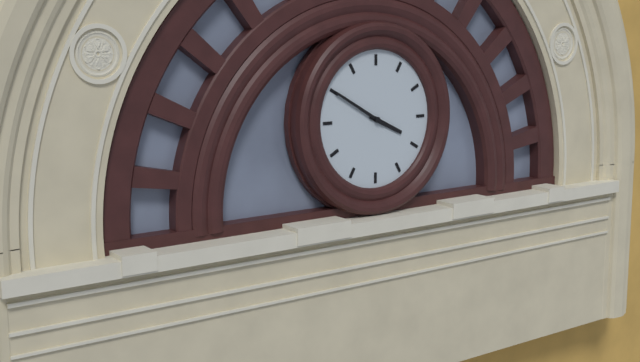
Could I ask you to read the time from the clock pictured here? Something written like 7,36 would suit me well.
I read 3,50
